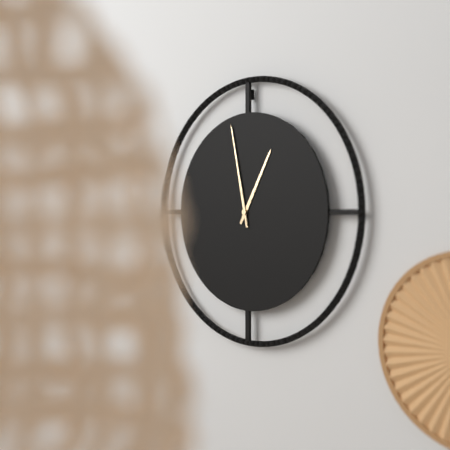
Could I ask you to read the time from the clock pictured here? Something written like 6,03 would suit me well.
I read 12,58
